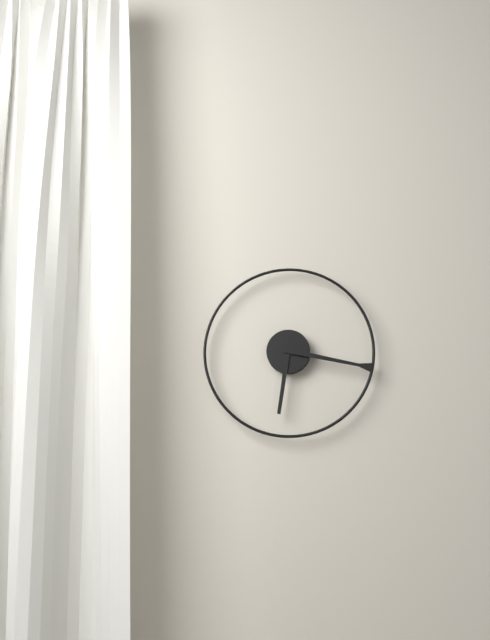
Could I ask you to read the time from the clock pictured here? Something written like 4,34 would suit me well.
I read 6,17
